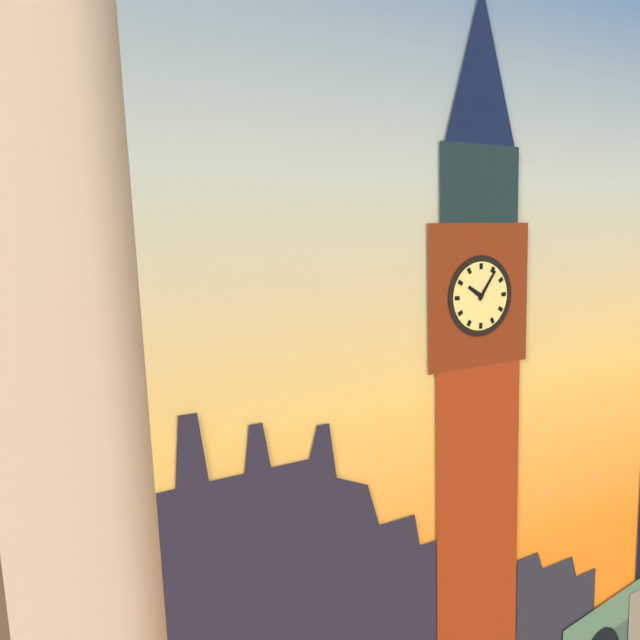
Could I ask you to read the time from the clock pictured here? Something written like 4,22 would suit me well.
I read 10,06
